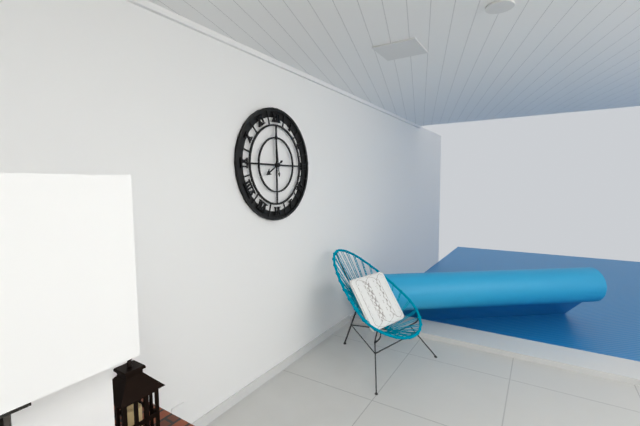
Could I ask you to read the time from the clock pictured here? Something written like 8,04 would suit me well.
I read 7,59
